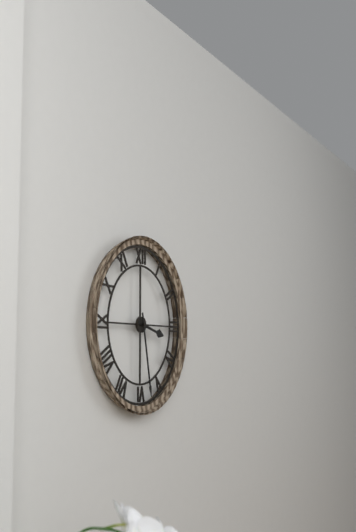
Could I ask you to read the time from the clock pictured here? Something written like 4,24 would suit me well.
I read 3,28
